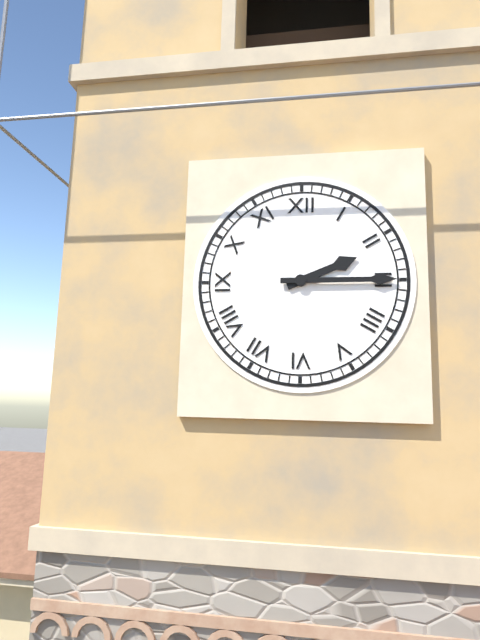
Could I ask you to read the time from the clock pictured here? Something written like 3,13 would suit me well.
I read 2,15
